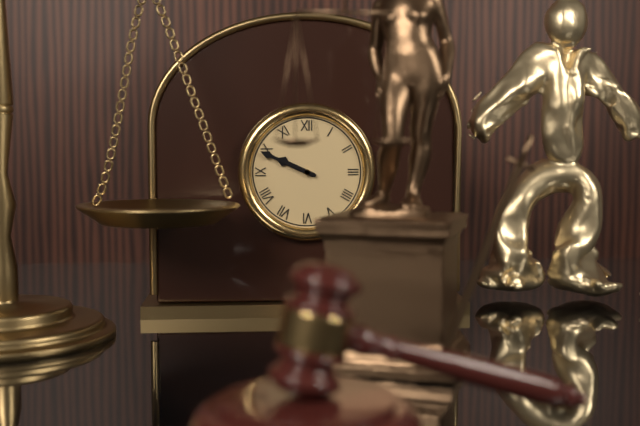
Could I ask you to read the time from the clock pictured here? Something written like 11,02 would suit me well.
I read 9,49
